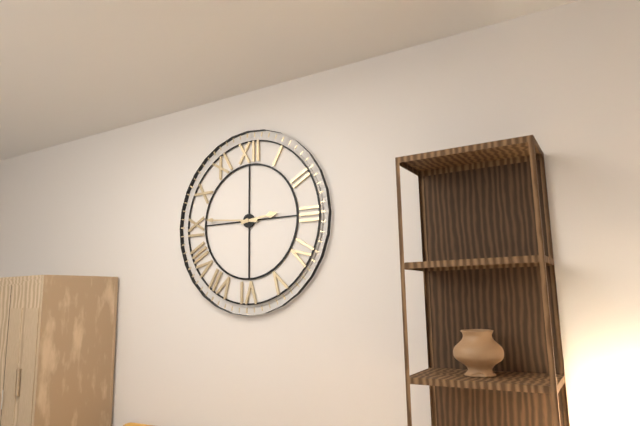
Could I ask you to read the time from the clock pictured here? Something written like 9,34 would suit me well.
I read 2,46
